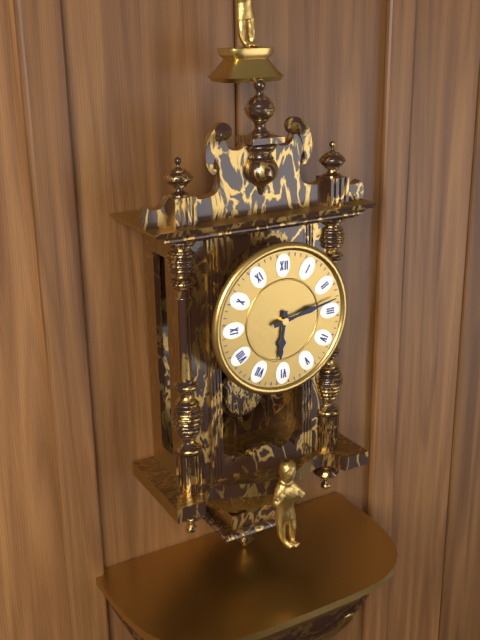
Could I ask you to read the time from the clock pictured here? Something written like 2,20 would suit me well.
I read 6,13
